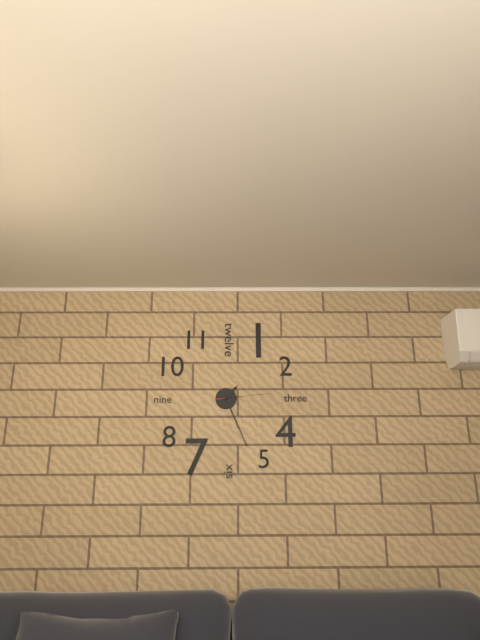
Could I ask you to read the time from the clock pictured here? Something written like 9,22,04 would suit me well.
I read 1,26,14
